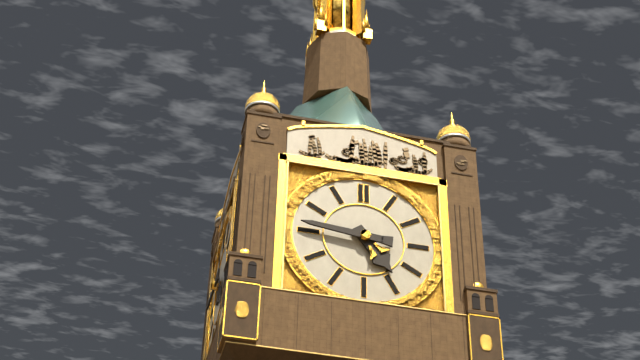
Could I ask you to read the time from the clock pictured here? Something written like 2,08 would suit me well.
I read 4,46
